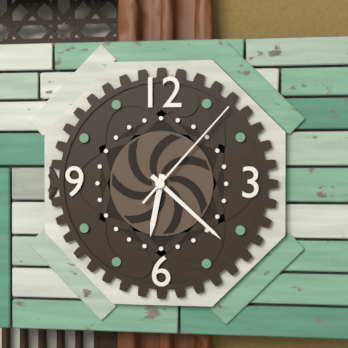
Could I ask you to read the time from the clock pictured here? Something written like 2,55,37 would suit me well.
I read 6,22,07
